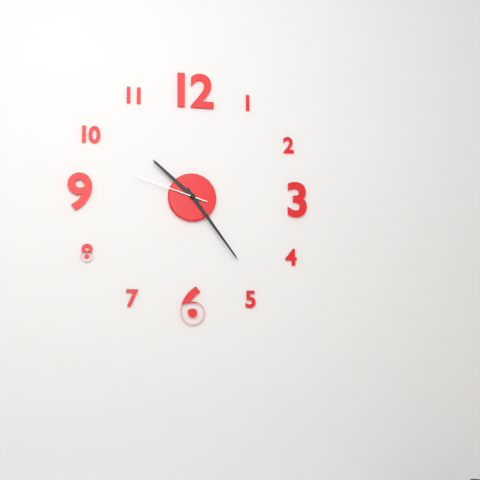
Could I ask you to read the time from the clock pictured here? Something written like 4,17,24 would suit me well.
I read 10,24,48
